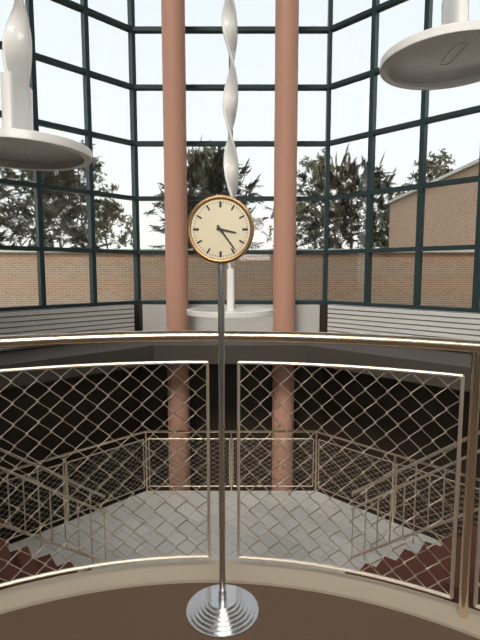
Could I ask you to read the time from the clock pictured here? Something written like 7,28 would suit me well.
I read 3,24
